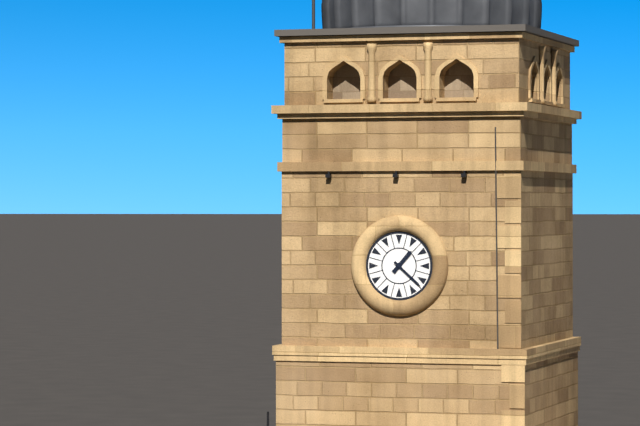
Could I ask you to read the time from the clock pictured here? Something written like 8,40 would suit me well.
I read 1,22
